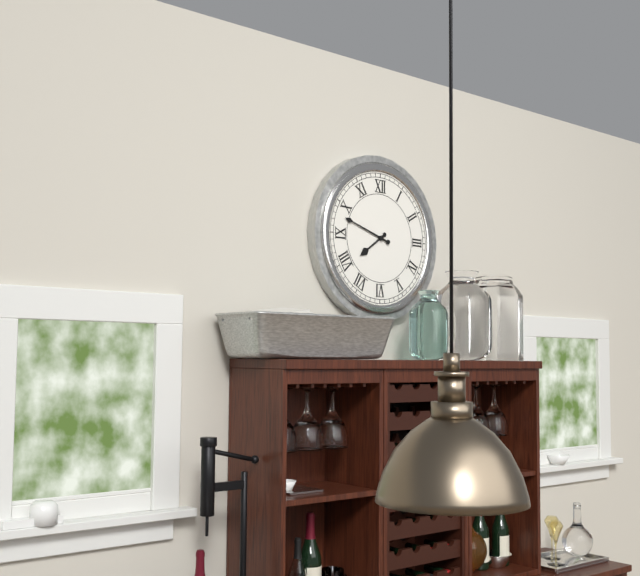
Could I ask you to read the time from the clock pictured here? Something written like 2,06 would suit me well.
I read 7,48
